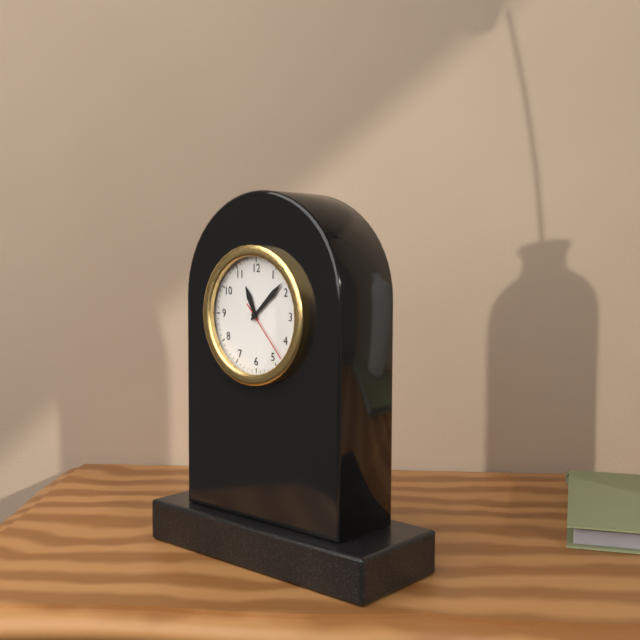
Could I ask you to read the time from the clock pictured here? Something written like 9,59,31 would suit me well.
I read 11,08,23
